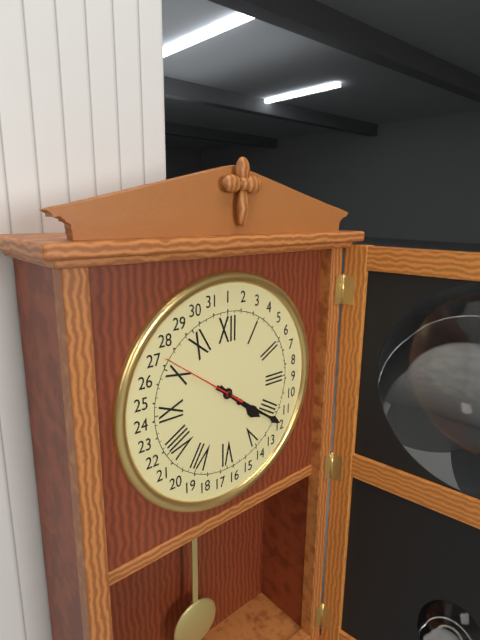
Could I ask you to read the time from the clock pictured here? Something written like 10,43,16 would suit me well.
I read 4,21,51
